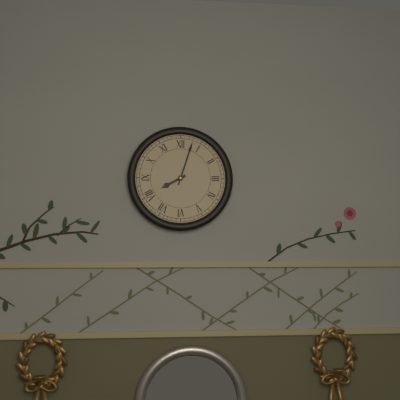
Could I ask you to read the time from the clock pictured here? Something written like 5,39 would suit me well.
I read 8,03
